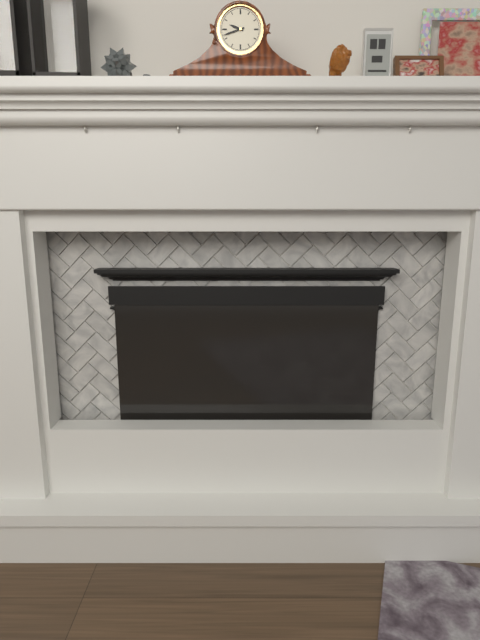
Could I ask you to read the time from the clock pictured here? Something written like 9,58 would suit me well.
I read 9,42
